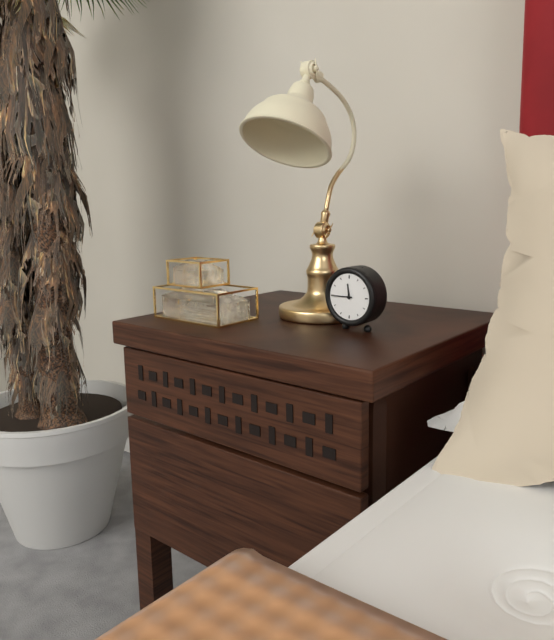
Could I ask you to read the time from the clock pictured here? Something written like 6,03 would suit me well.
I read 11,45
